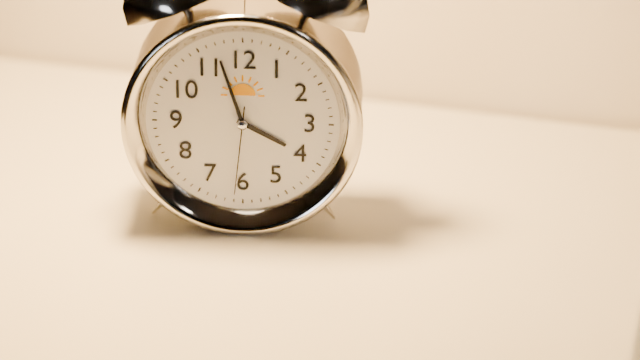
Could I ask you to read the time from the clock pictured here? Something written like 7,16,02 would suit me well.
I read 3,57,31
